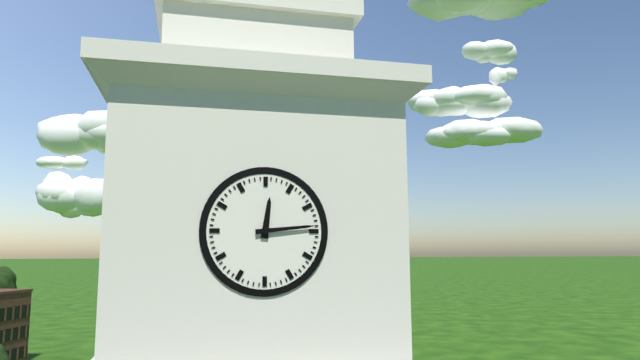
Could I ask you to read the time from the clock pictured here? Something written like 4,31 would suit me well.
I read 12,14
